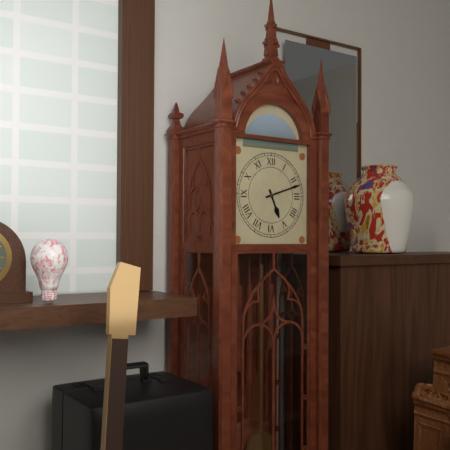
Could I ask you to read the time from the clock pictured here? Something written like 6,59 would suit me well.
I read 5,12
